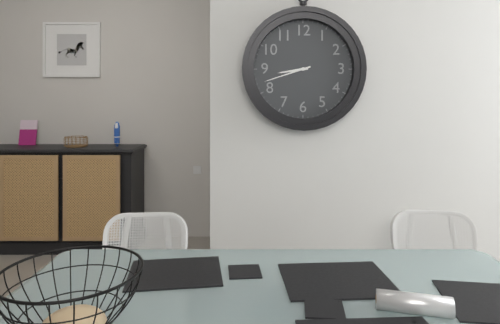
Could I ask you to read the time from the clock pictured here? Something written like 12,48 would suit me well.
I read 8,42
